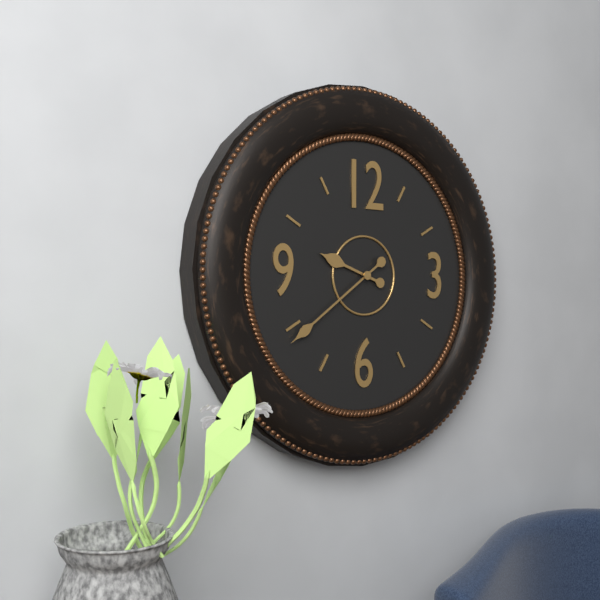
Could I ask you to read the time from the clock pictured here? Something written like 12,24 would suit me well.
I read 9,39
